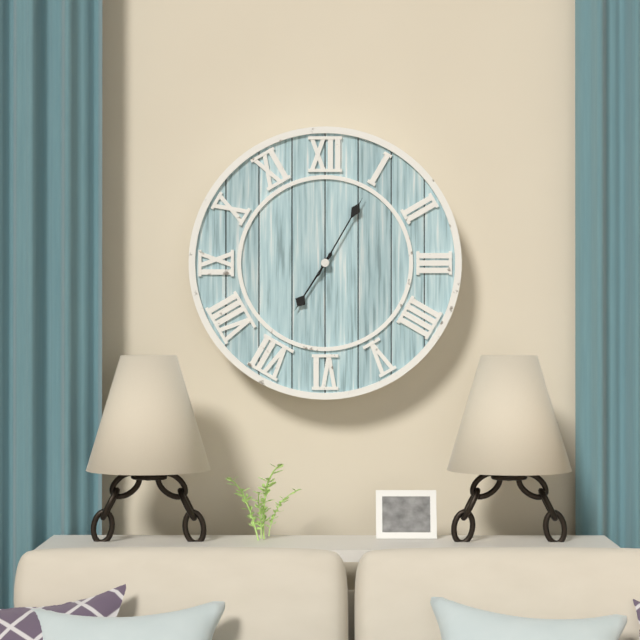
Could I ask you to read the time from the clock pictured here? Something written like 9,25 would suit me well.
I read 7,05
